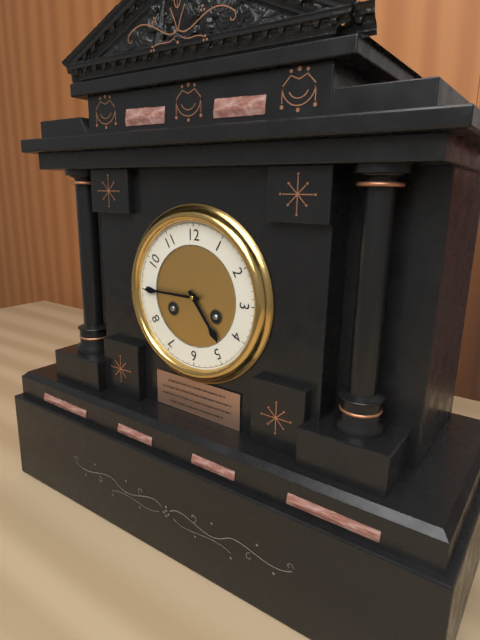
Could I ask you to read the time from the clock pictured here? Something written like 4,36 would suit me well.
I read 4,45
